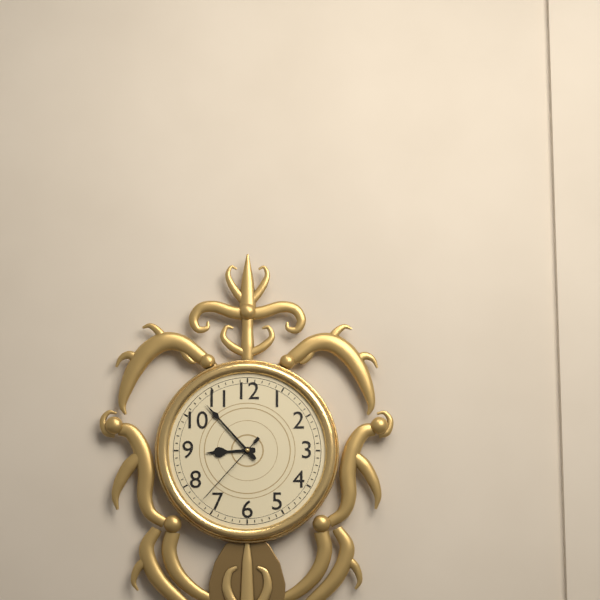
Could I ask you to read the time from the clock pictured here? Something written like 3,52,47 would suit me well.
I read 8,53,37
